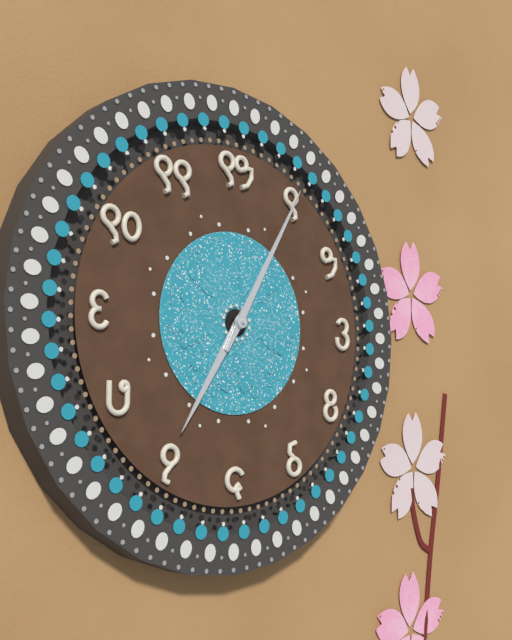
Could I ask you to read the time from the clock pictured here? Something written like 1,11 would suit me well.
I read 7,05
